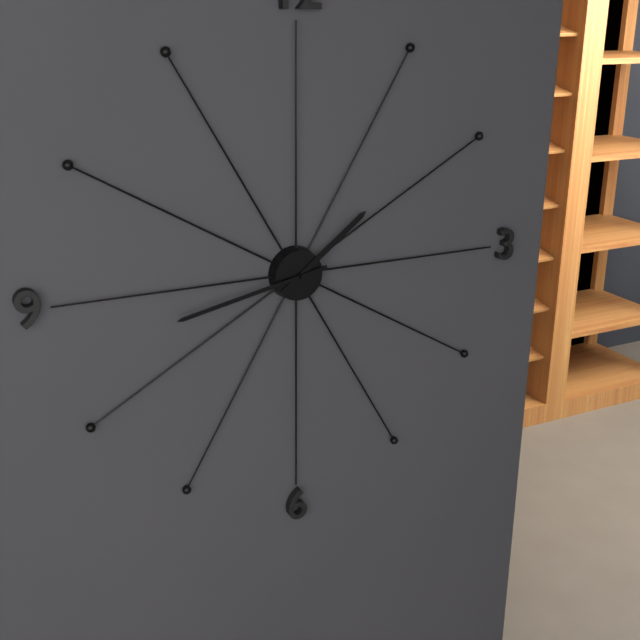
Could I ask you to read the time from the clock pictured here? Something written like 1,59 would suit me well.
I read 1,43
